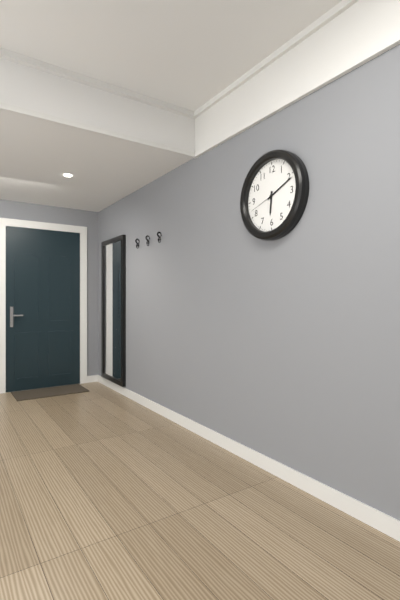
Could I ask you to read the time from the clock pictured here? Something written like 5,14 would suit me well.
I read 6,11
